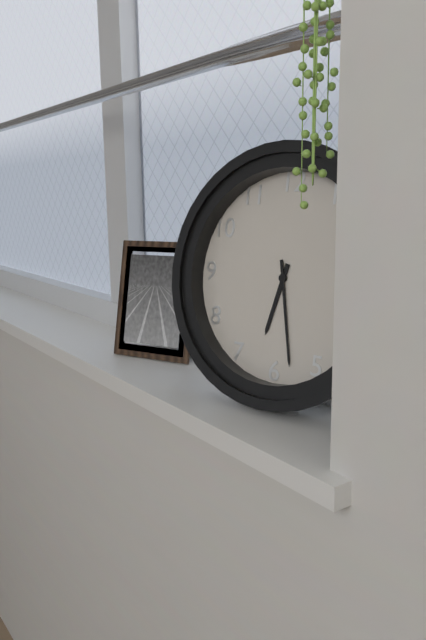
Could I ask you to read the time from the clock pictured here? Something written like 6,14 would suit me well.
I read 6,28
